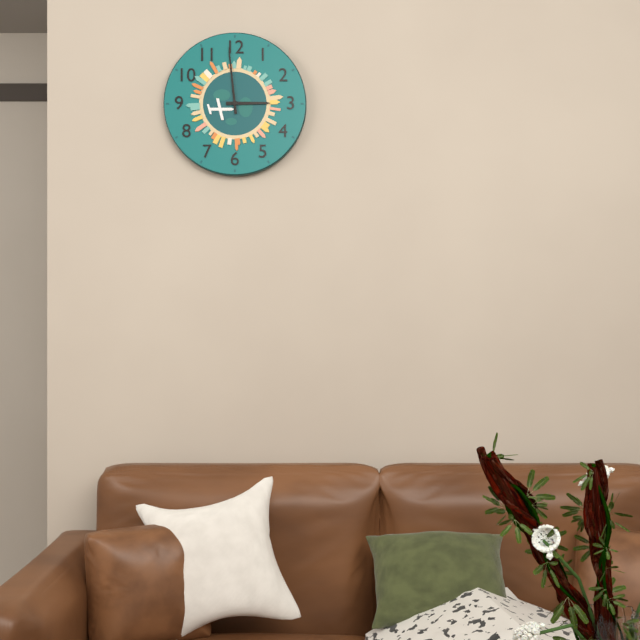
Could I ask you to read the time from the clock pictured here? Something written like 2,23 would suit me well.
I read 2,59
